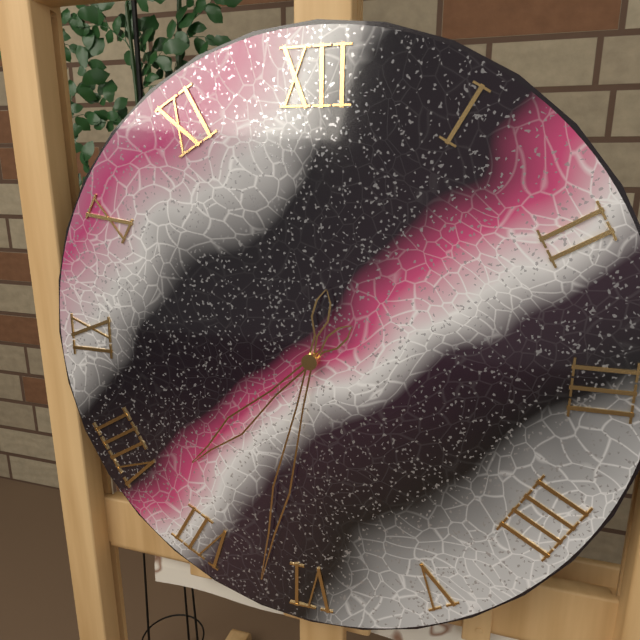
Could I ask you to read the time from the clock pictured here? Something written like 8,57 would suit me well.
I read 7,32
